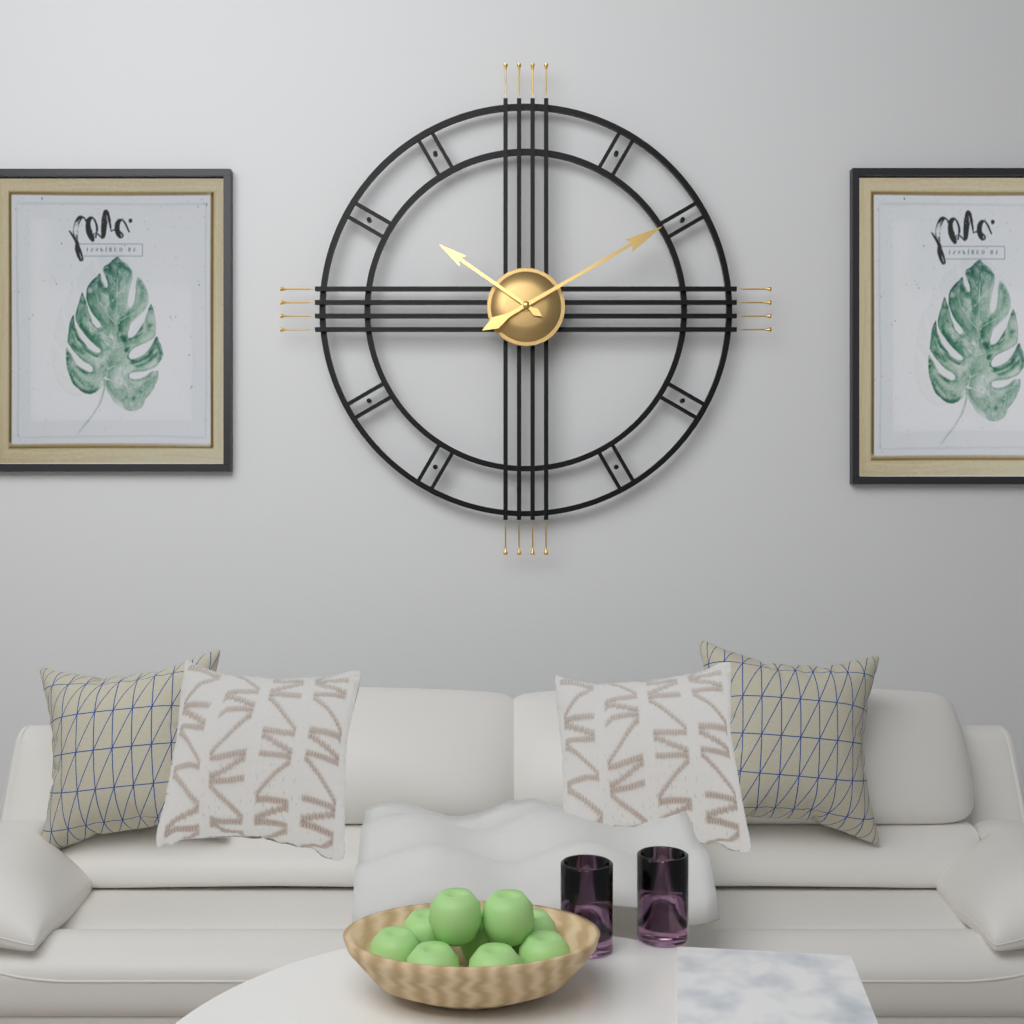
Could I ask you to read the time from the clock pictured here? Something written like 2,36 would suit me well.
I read 10,10
